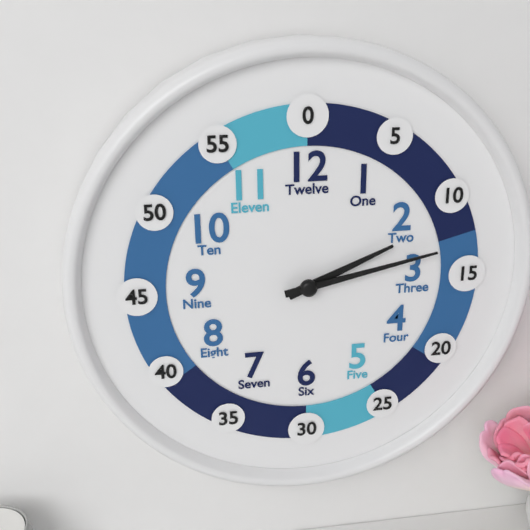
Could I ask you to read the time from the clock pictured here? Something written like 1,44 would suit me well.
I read 2,13
